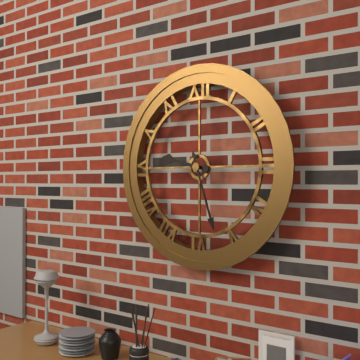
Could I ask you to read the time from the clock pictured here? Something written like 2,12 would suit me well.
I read 9,27
